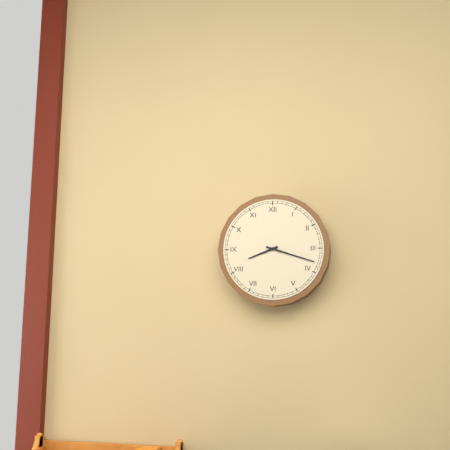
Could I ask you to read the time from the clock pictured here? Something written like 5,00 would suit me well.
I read 8,18
